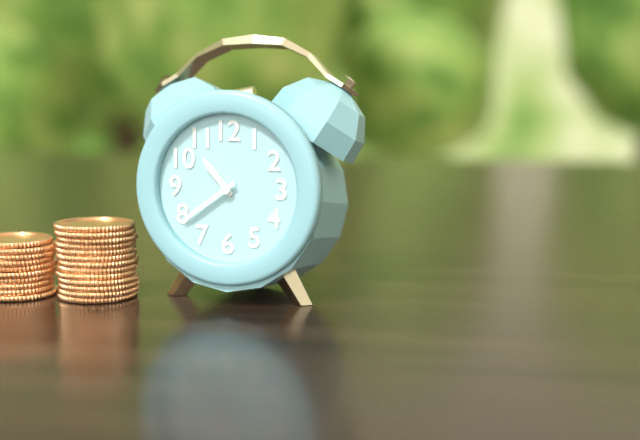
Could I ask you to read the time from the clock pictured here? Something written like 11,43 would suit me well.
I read 10,39
